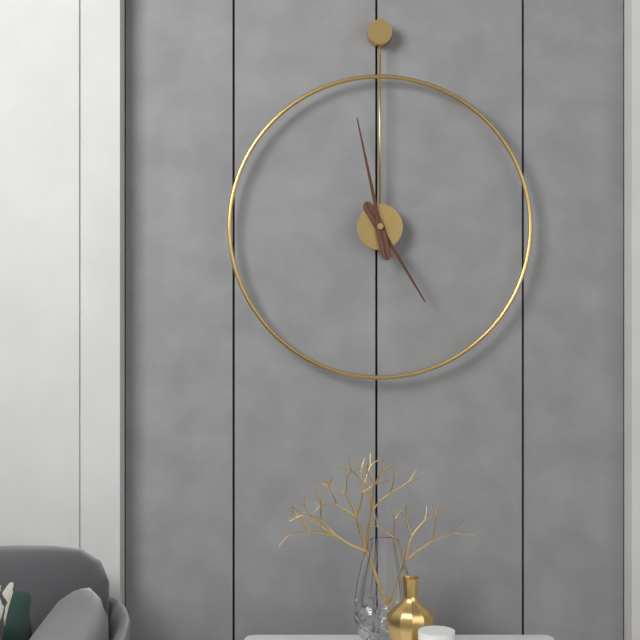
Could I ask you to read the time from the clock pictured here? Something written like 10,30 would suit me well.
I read 4,58
